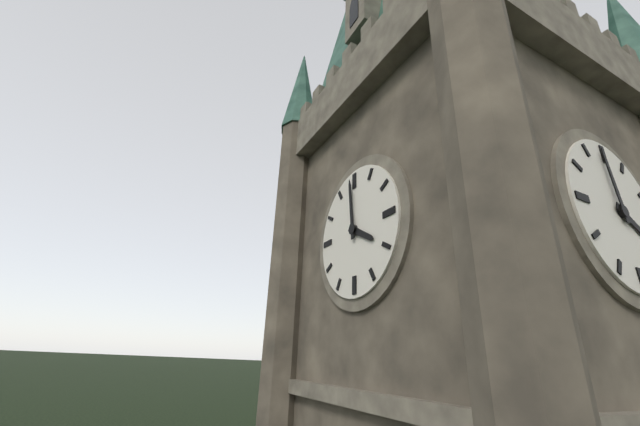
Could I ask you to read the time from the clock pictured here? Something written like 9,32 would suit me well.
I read 3,59
